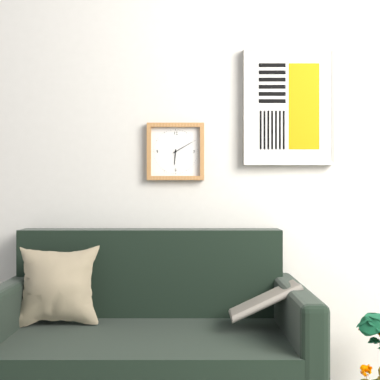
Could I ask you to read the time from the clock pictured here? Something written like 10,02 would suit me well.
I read 6,10
